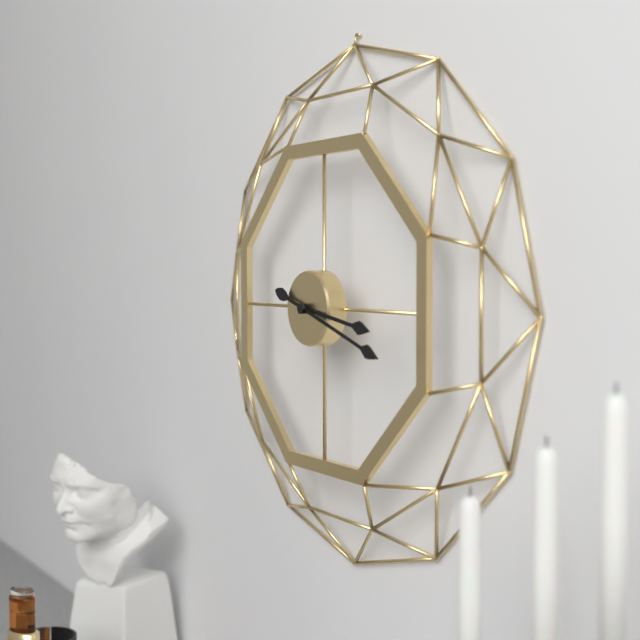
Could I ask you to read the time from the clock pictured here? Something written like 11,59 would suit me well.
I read 3,18
